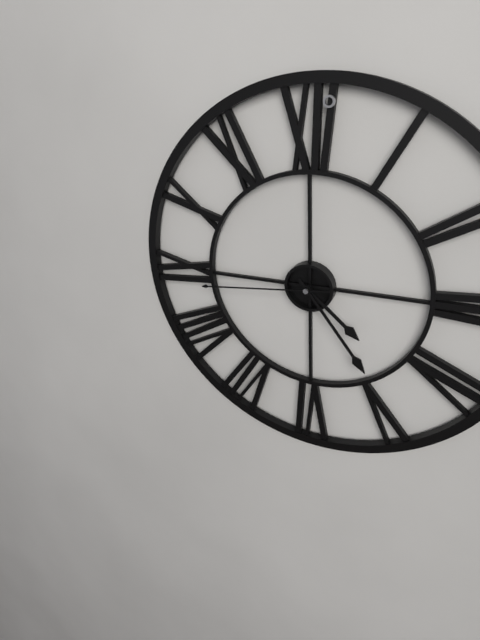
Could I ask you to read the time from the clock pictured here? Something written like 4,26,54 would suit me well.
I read 4,24,44
